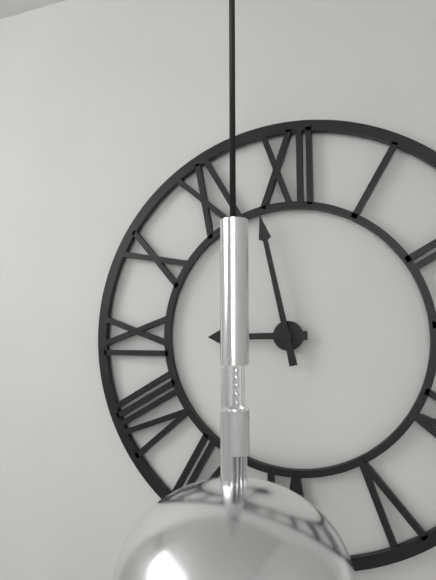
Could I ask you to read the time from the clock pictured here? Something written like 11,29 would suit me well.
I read 8,58
